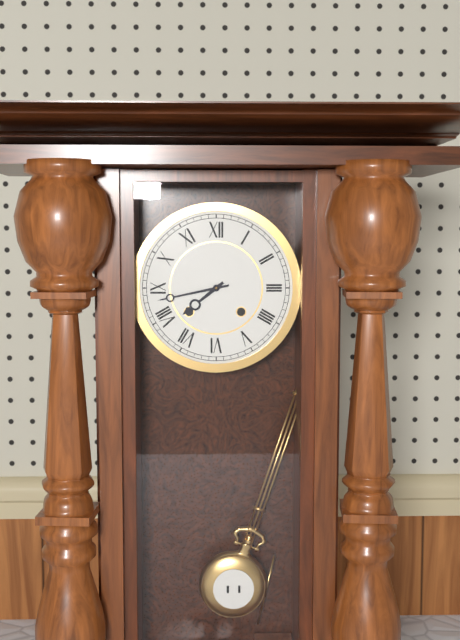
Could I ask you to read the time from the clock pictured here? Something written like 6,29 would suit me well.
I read 7,43
